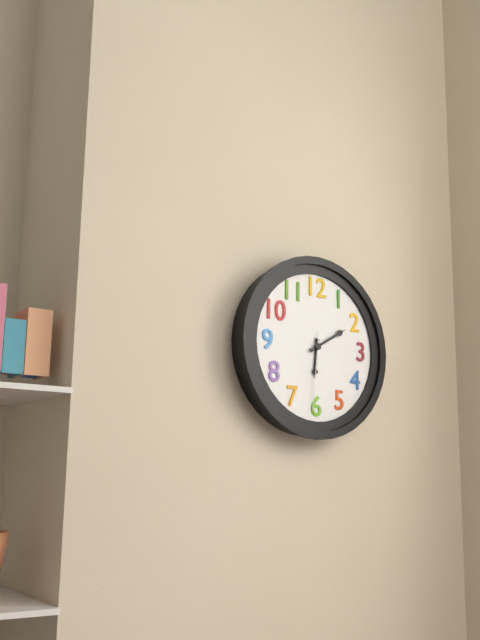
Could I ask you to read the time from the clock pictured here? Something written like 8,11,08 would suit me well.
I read 6,10,31
